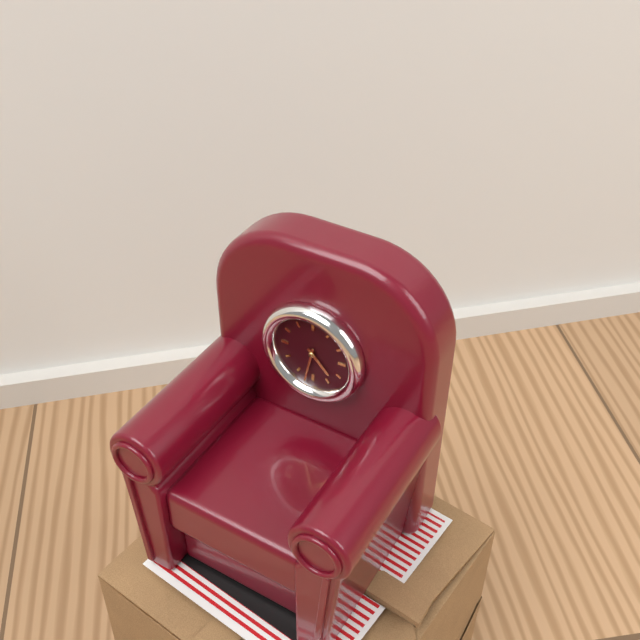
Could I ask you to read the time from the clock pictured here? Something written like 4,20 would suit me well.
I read 4,32
